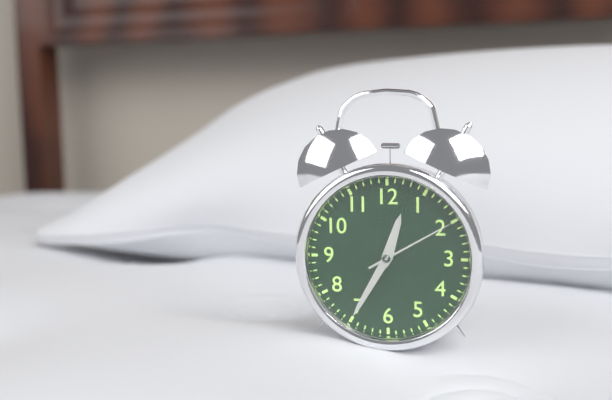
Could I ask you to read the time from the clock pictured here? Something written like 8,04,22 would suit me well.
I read 12,35,10
